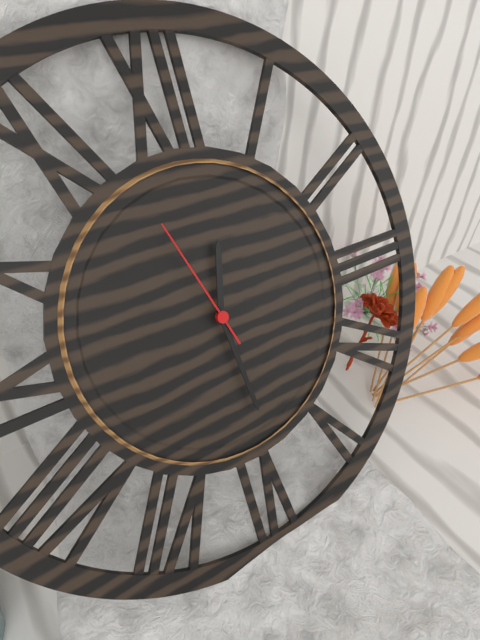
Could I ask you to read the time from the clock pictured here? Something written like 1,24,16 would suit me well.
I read 12,29,57
